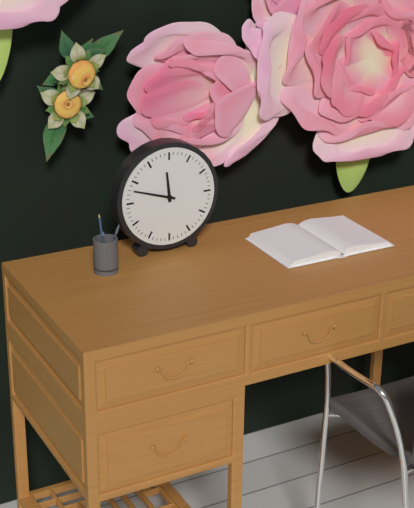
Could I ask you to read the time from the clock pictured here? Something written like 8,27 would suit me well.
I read 11,48
